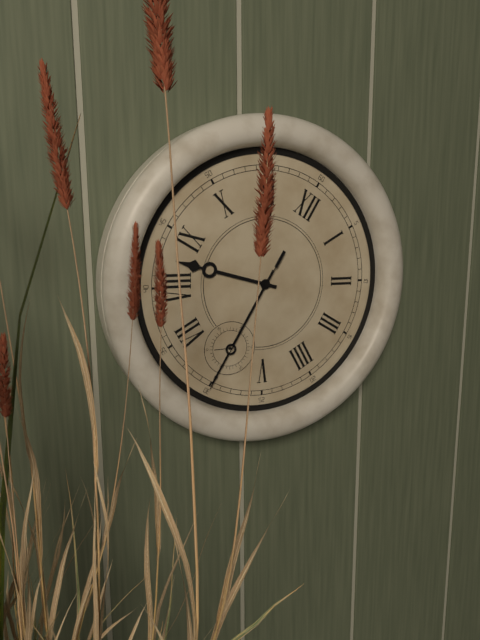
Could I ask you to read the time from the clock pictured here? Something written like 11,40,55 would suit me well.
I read 8,30,30
